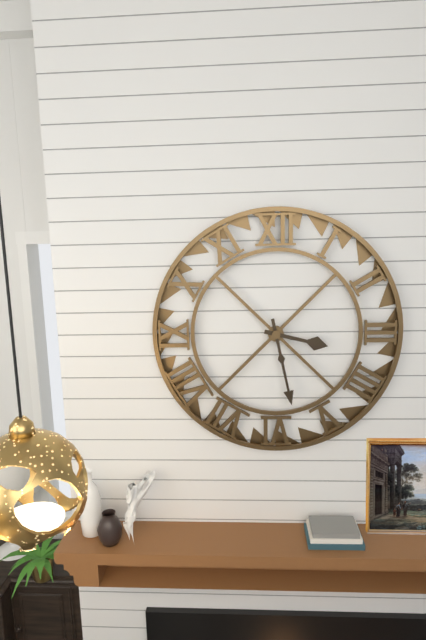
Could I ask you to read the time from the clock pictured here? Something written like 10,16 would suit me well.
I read 3,28
